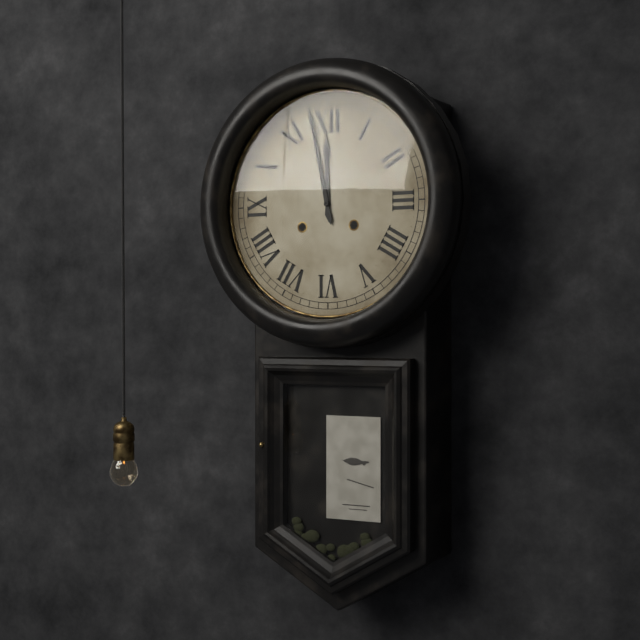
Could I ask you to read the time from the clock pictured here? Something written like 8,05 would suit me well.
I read 11,58
